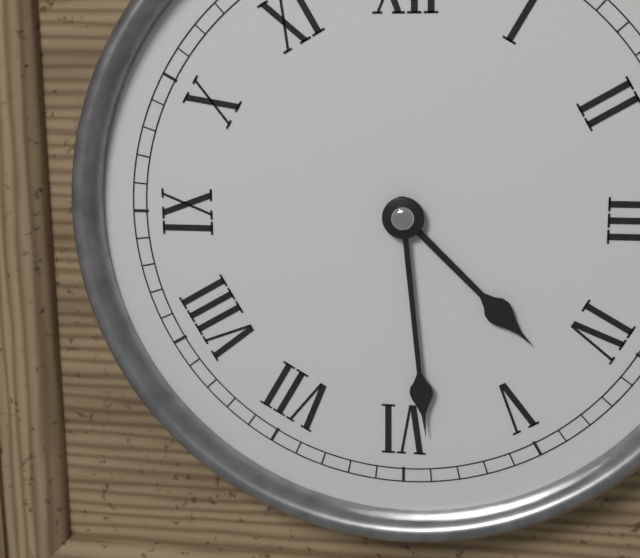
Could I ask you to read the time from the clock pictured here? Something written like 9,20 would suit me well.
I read 4,29
